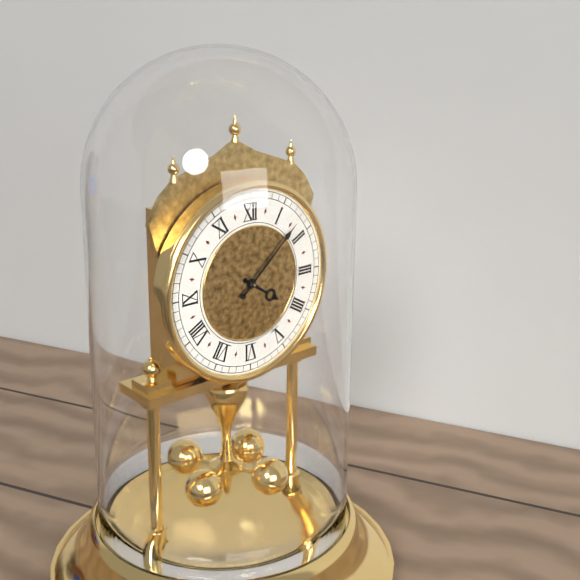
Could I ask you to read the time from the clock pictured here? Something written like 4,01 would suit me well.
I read 4,08
